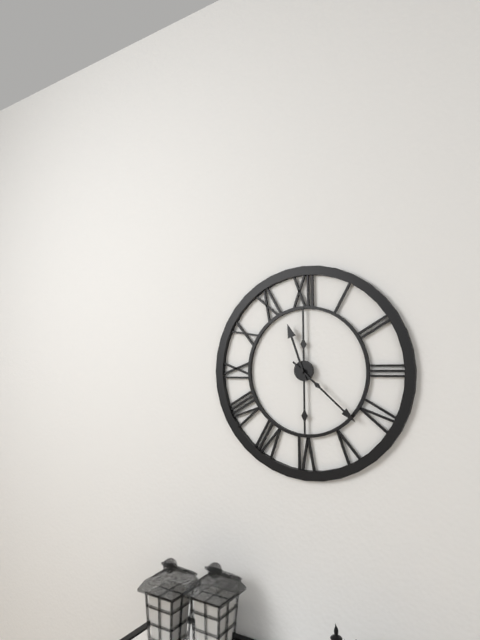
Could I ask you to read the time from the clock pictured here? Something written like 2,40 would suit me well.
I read 11,22
